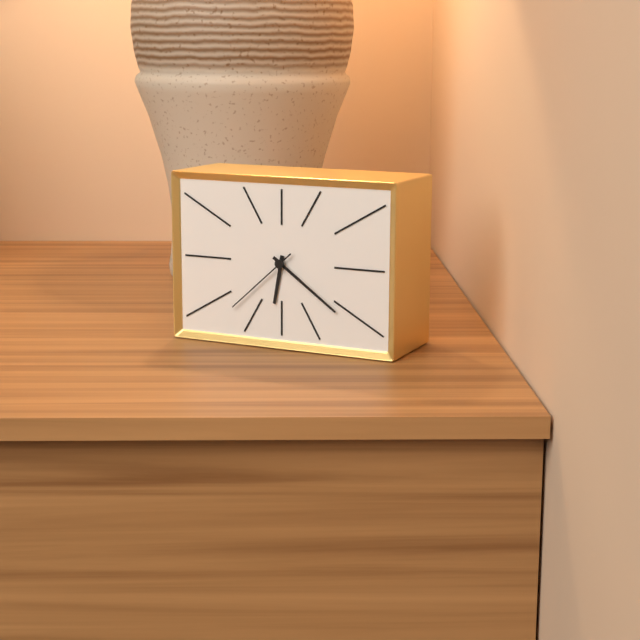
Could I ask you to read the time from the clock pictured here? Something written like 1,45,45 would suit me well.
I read 6,21,38
